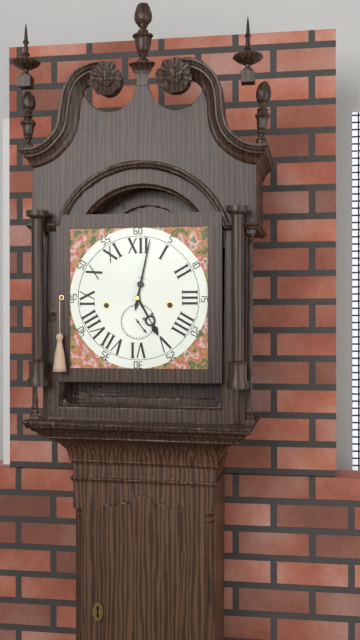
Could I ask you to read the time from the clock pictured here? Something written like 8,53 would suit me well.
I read 5,02
